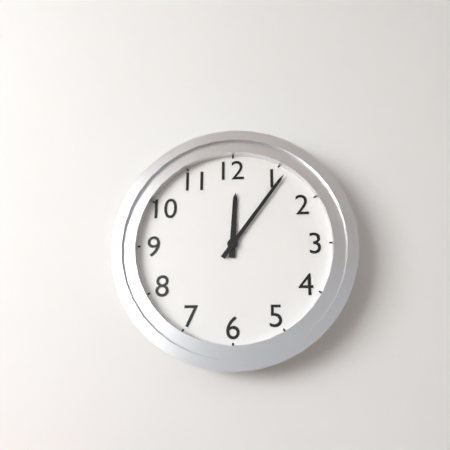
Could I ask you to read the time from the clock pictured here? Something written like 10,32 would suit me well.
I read 12,06
